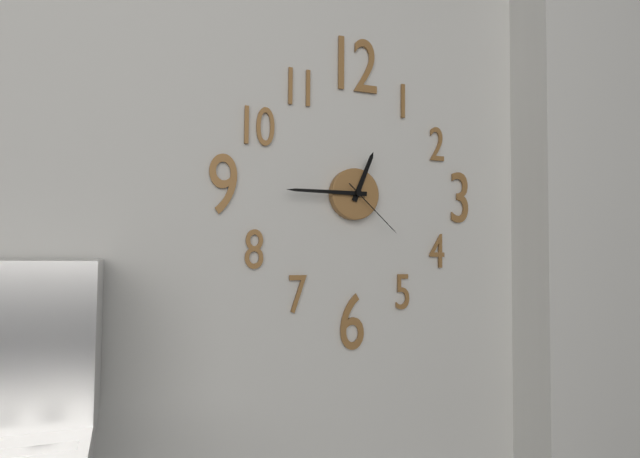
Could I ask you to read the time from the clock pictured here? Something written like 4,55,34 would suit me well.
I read 12,45,22
